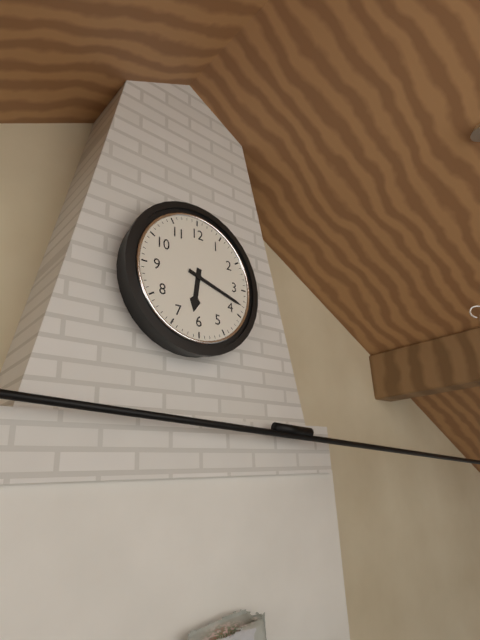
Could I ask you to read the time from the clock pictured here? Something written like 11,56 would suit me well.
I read 6,18
